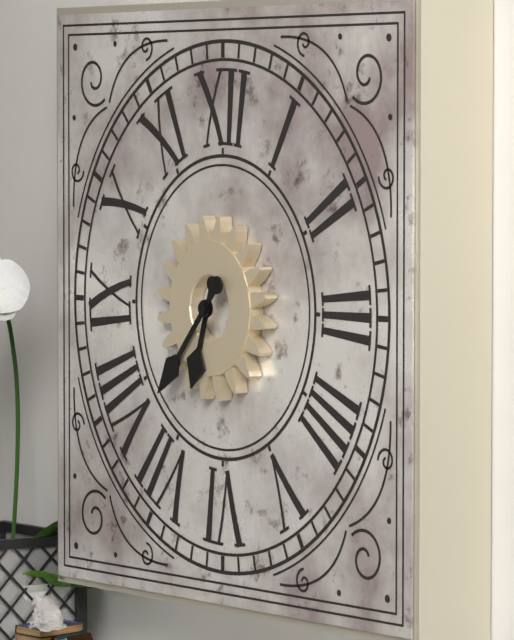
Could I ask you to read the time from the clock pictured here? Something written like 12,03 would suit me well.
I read 6,37
